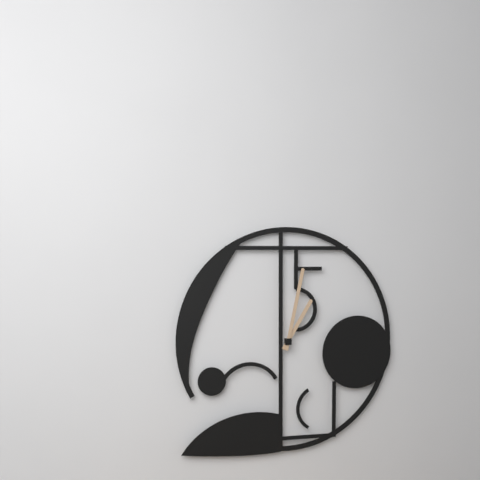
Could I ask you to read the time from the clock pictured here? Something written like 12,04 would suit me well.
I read 1,02
